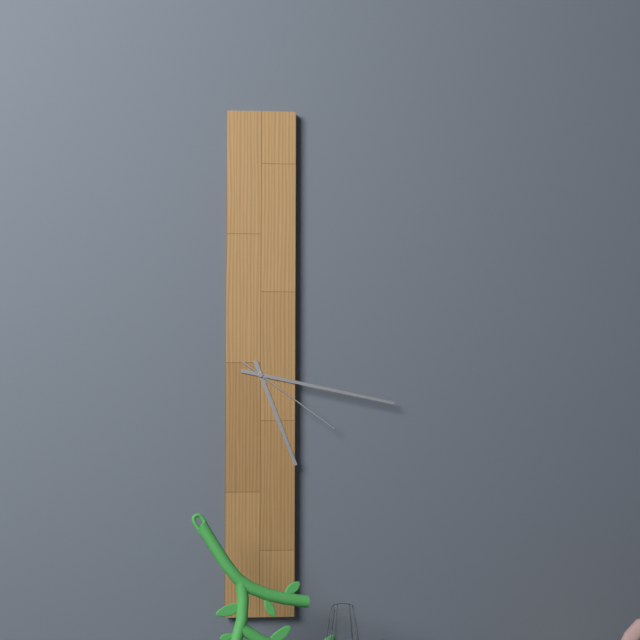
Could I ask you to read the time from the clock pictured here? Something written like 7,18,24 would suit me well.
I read 5,17,21
